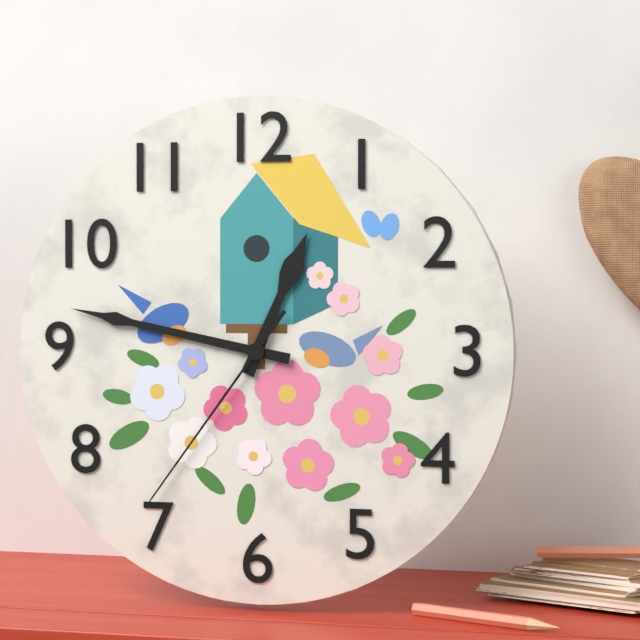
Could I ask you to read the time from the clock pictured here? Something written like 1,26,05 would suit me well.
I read 12,47,36
